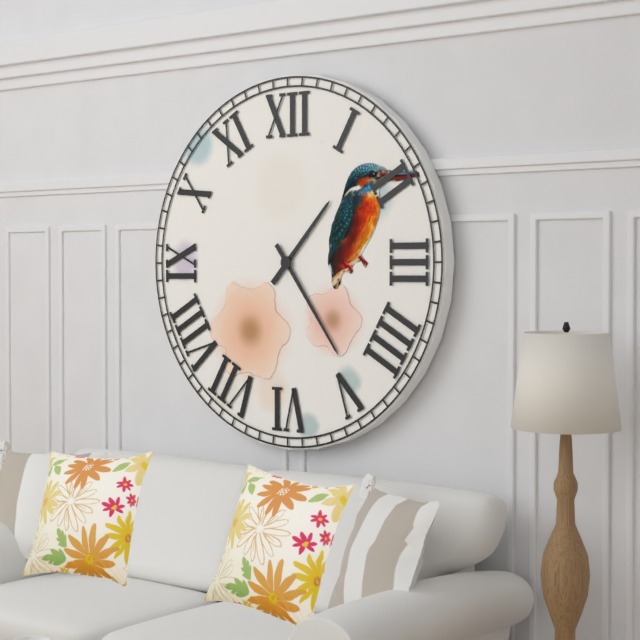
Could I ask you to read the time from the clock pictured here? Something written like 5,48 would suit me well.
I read 1,24
